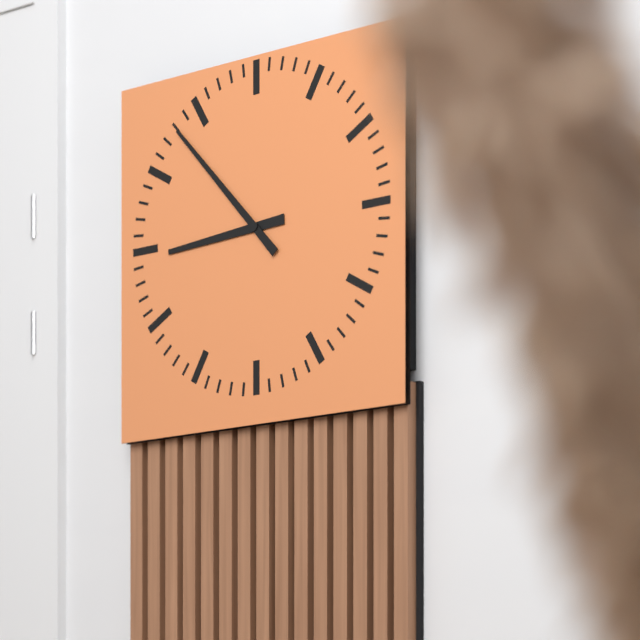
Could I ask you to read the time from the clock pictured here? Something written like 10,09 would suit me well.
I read 8,53
